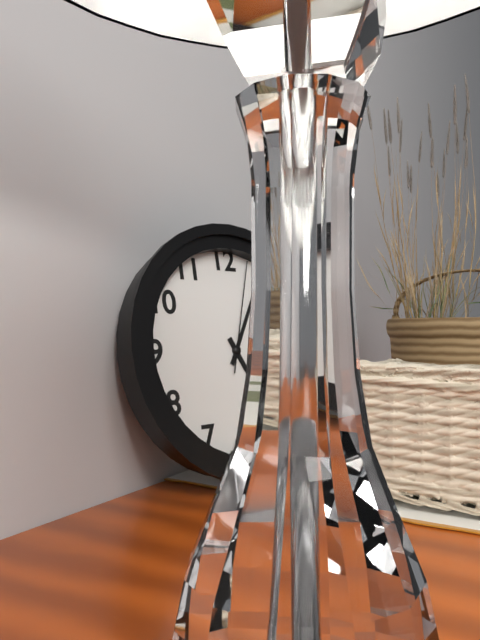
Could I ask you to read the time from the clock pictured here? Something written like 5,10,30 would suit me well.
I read 5,05,03
